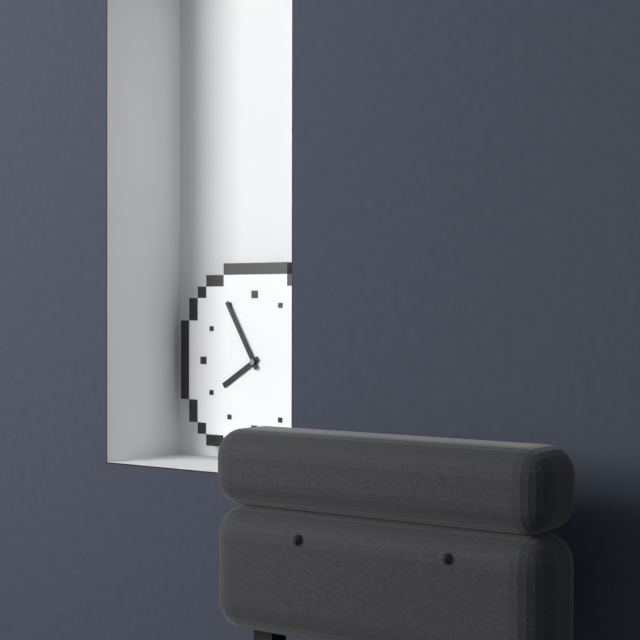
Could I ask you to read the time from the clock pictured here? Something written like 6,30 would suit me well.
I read 7,55
